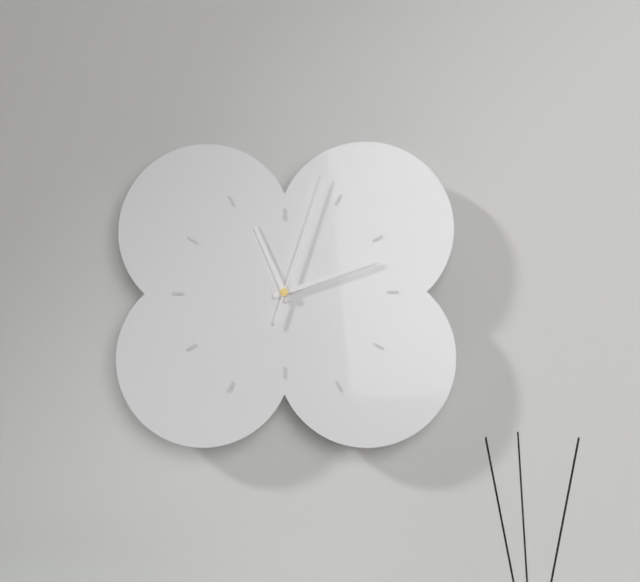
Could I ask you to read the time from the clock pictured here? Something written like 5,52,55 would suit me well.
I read 11,12,03
